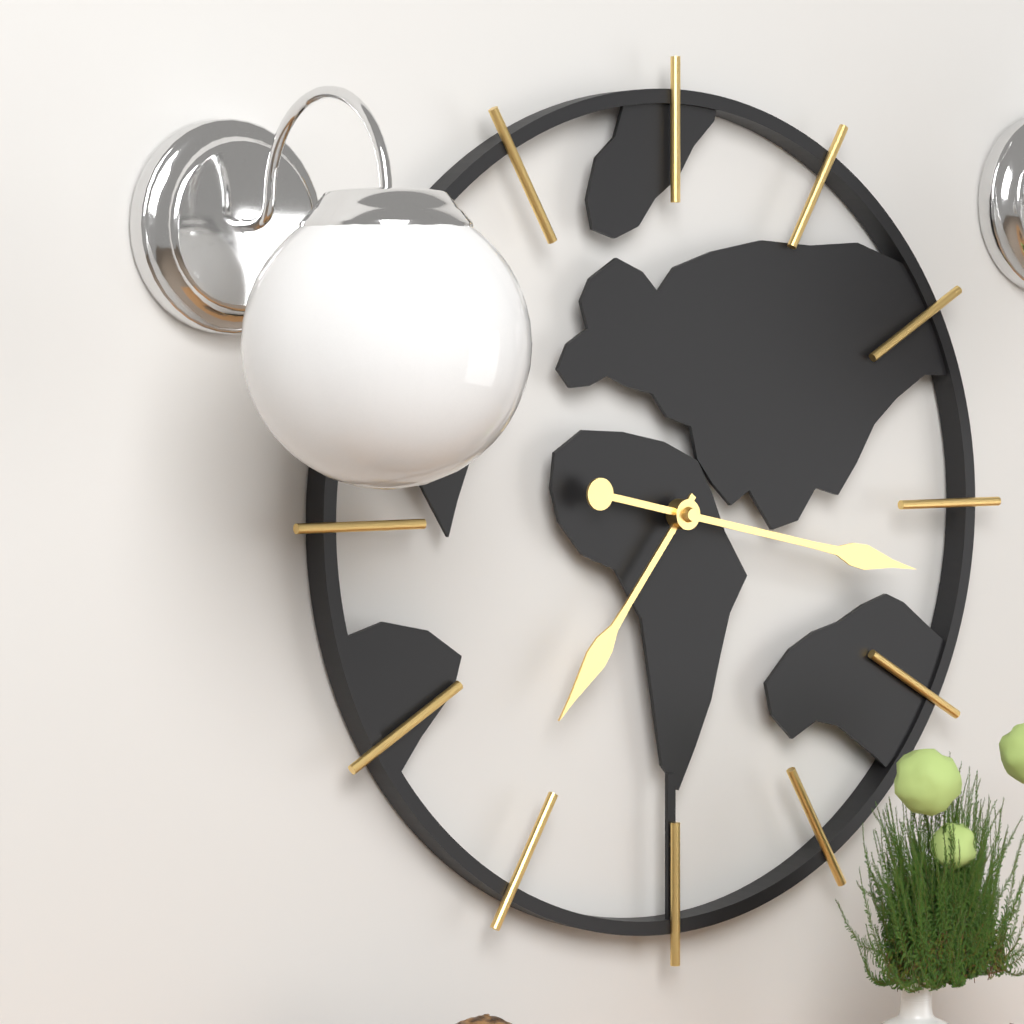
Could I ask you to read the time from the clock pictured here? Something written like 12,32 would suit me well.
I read 7,17
